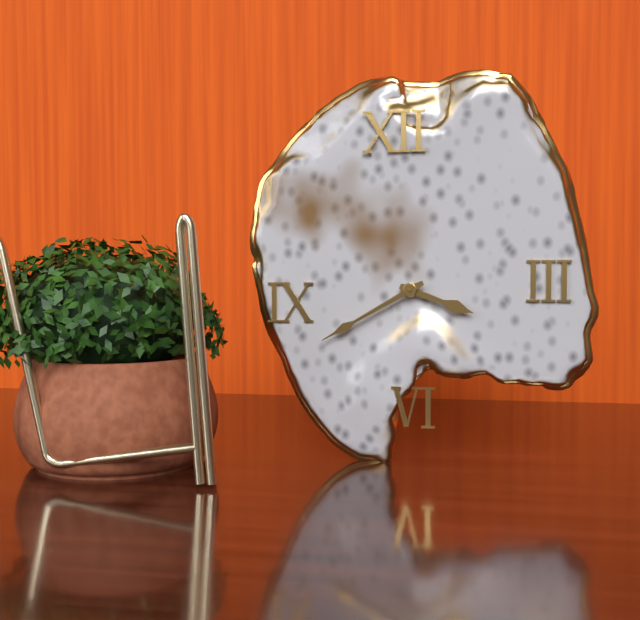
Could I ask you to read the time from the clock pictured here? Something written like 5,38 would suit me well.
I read 3,40
